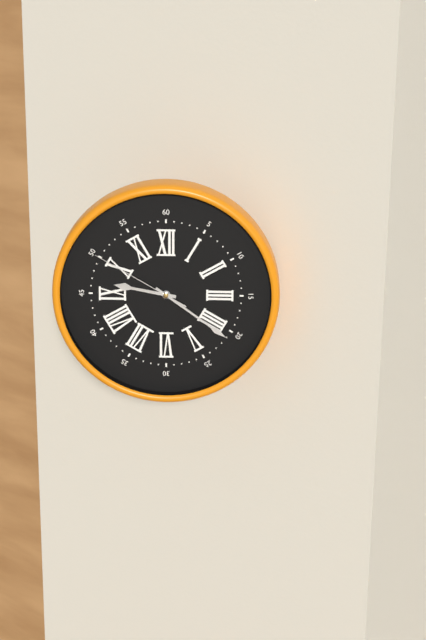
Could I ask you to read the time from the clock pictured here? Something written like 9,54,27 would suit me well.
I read 9,21,50
